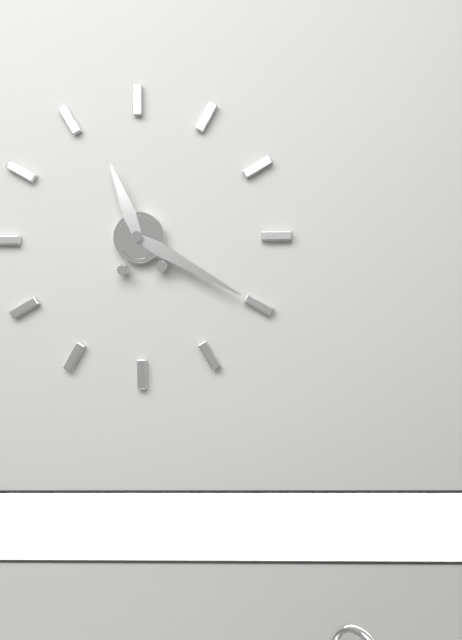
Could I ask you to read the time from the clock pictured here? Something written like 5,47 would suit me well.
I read 11,20
